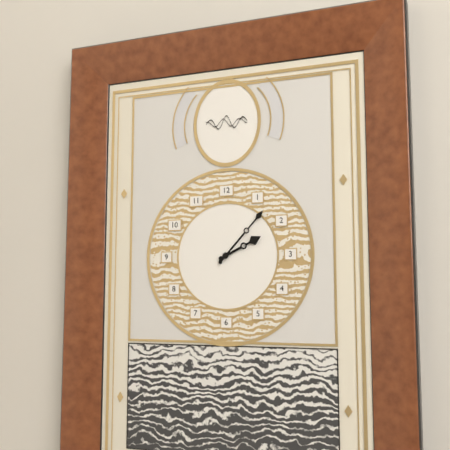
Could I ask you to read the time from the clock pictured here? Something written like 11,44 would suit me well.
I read 2,07
